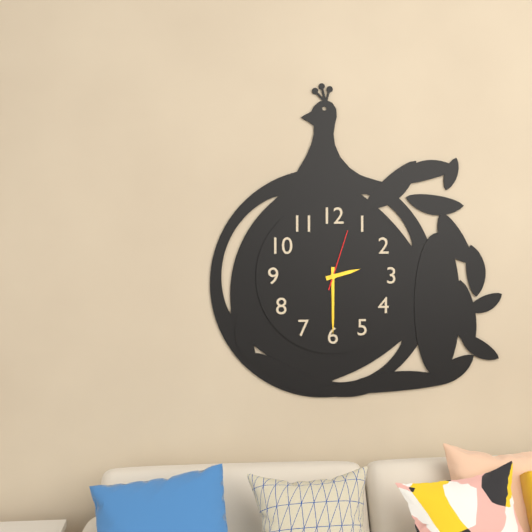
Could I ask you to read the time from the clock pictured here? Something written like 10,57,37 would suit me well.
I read 2,30,03
